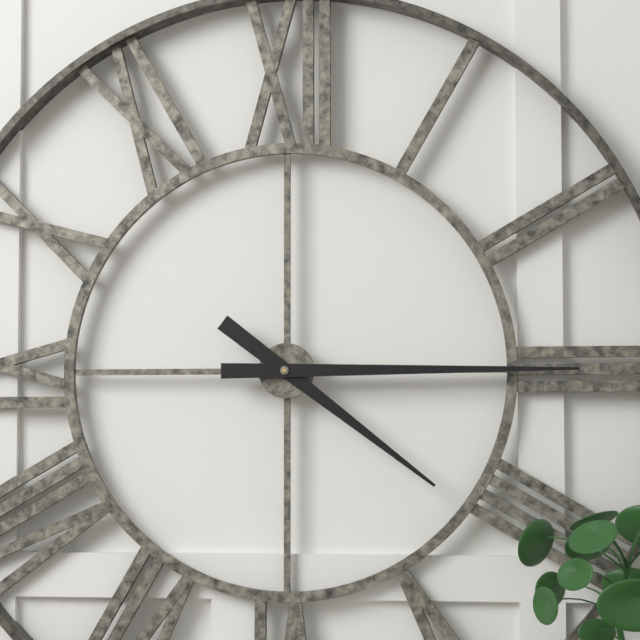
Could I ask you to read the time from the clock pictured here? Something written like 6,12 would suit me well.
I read 4,15
